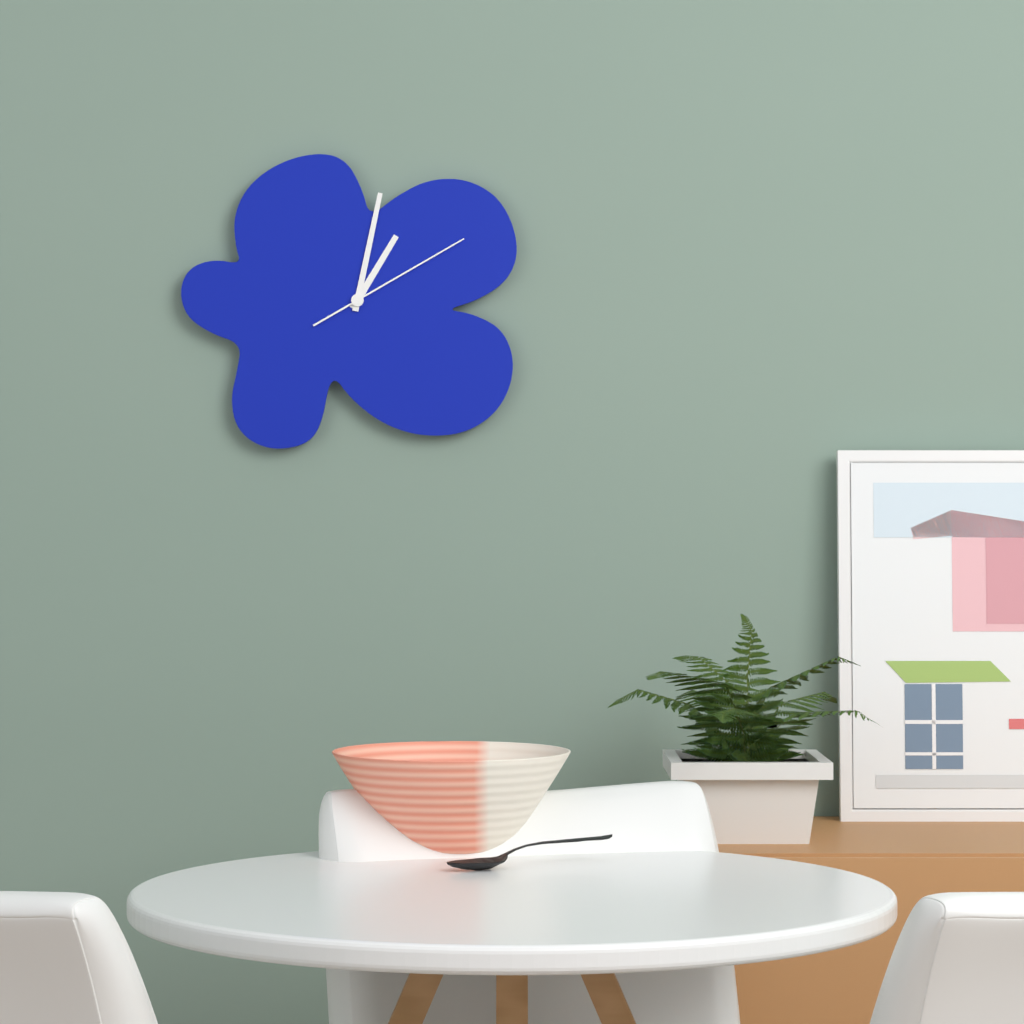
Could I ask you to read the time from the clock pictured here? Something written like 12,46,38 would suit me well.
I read 1,02,10
